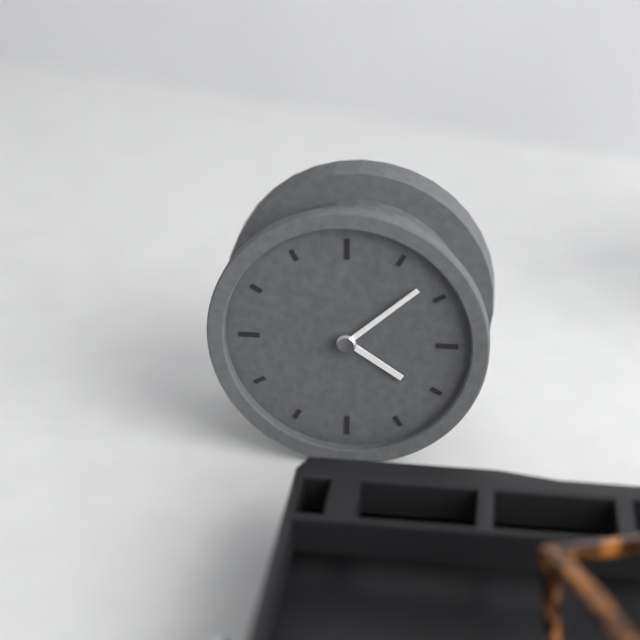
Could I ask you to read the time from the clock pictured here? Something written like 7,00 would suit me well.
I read 4,08
